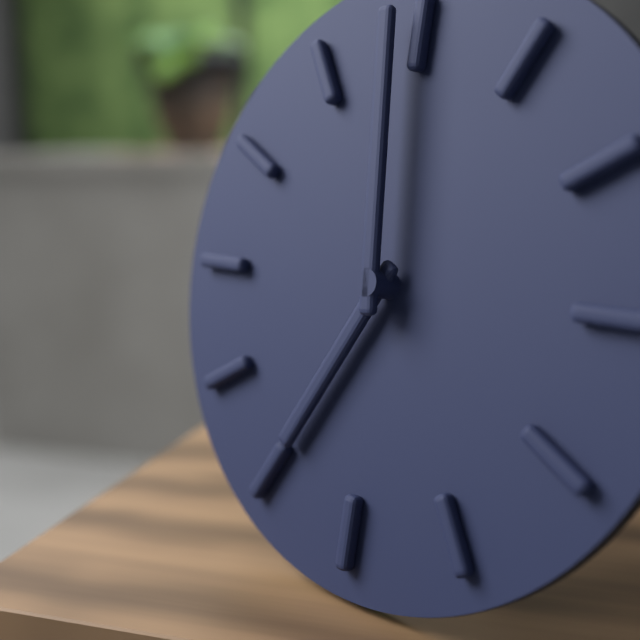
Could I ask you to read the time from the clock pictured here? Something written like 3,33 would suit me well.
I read 6,59
